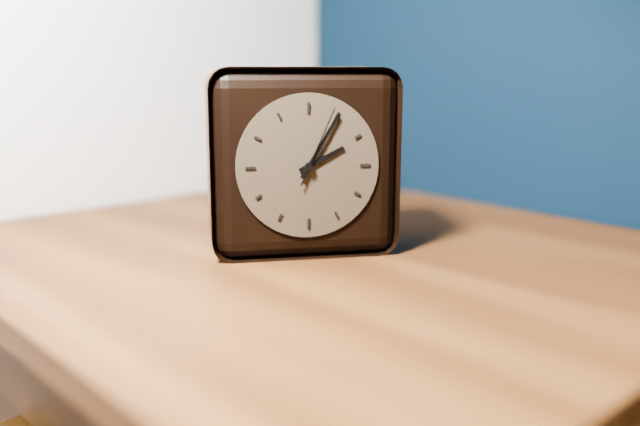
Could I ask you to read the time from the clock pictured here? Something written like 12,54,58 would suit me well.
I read 2,05,04
